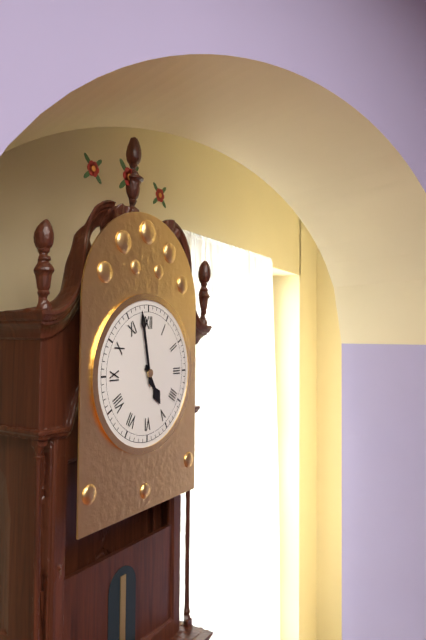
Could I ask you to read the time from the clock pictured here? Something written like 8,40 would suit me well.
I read 4,58
